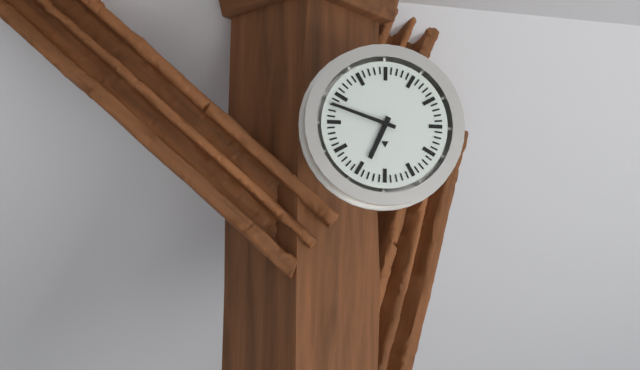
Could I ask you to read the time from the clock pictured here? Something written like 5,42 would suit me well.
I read 6,48
